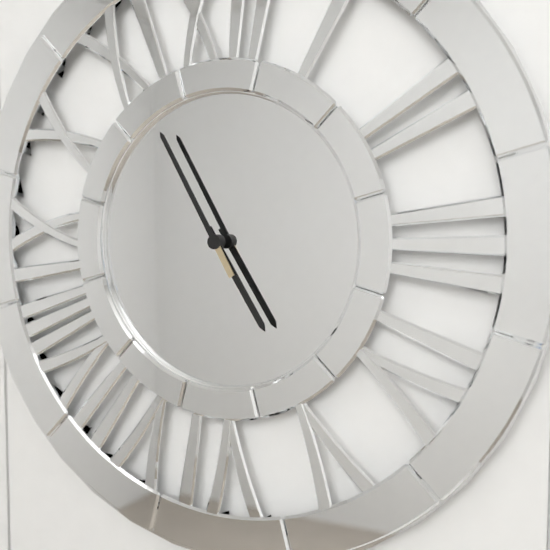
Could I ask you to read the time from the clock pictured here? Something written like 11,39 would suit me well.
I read 4,55
